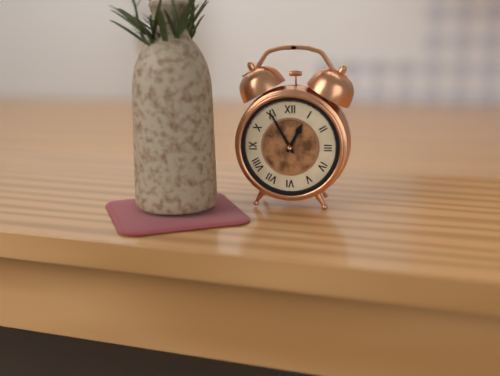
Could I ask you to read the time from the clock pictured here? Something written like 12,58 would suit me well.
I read 12,55
